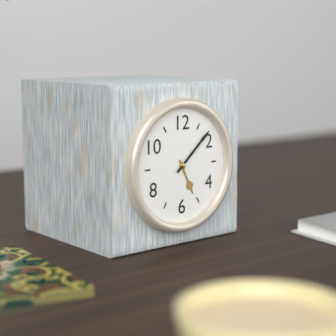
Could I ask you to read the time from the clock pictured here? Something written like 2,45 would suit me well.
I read 5,08
